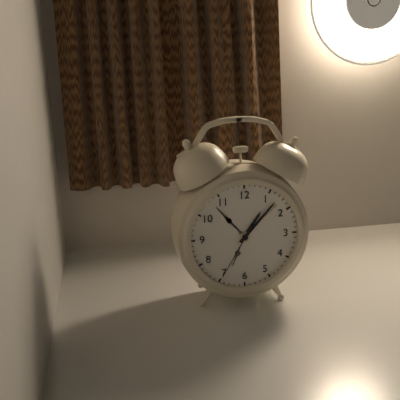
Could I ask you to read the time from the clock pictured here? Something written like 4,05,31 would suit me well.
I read 1,07,35
